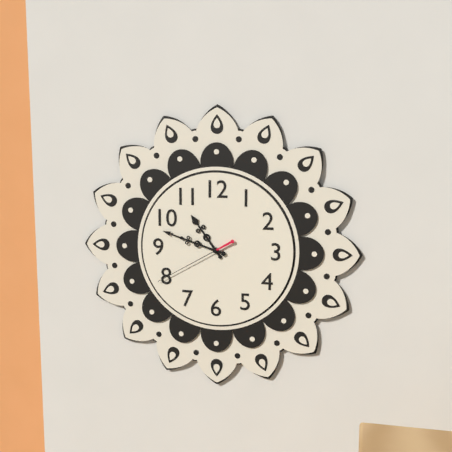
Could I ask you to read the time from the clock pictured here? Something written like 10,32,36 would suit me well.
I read 10,48,40
